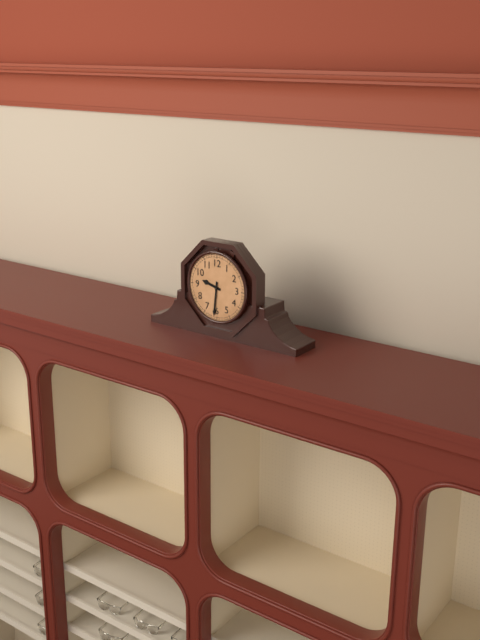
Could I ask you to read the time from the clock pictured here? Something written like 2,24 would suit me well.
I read 9,31
